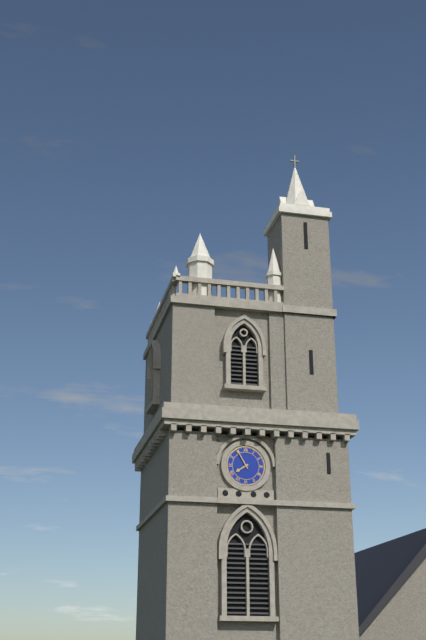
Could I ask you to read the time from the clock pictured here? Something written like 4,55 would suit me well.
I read 7,55
